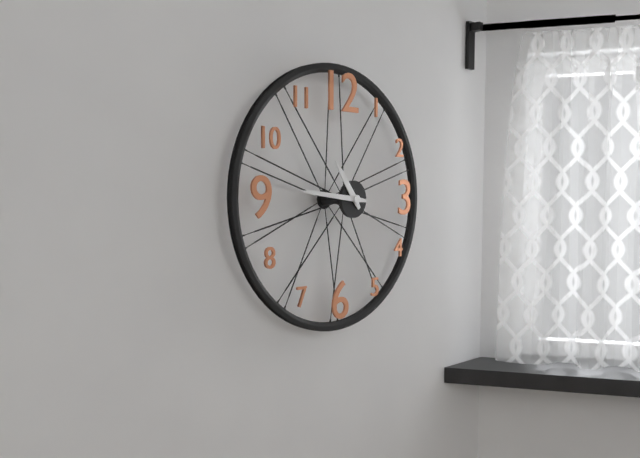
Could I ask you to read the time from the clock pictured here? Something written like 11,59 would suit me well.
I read 10,46
